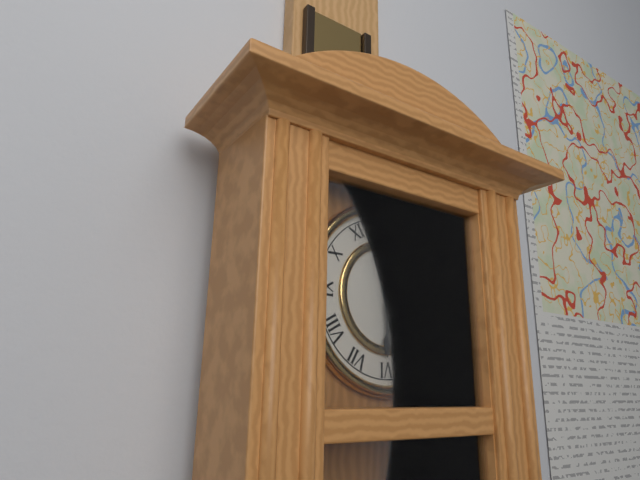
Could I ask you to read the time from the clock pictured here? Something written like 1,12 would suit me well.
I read 6,02
